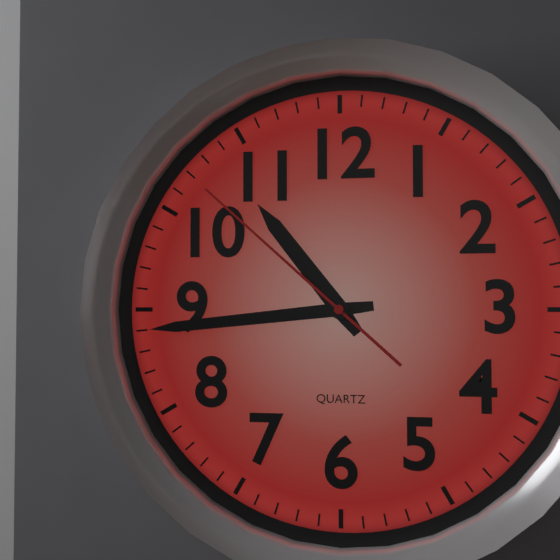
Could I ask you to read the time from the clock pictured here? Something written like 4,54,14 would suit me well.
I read 10,44,52
